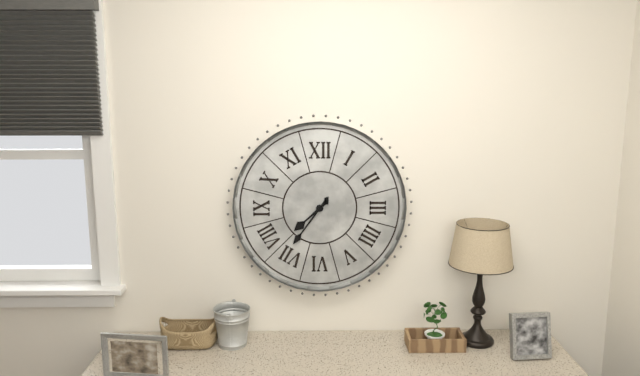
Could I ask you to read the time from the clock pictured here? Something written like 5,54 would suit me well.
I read 7,36
